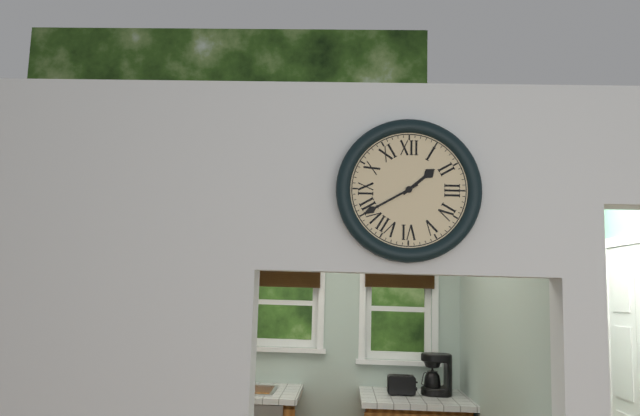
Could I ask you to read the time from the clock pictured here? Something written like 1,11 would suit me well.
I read 1,40
